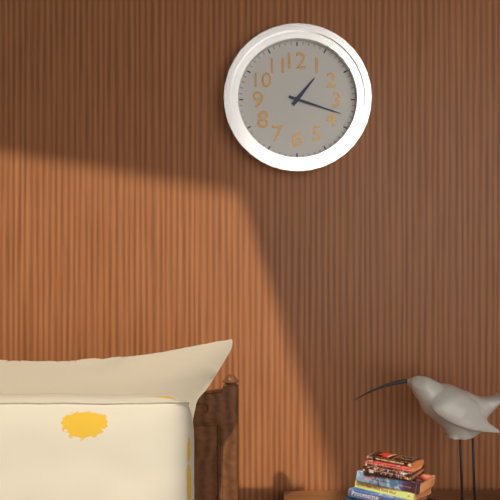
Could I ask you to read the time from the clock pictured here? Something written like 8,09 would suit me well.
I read 1,18
